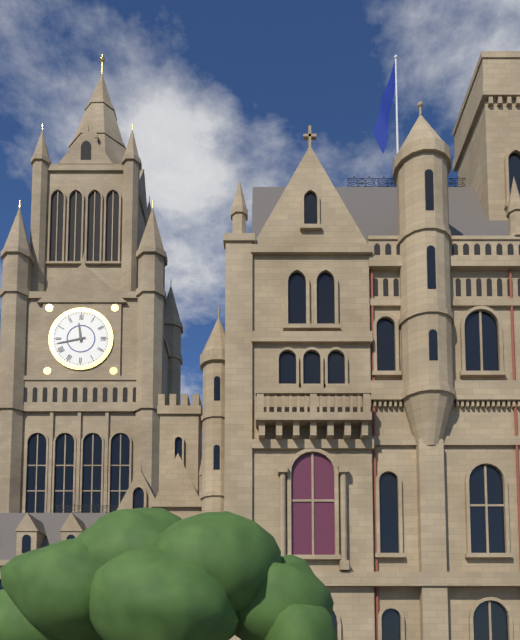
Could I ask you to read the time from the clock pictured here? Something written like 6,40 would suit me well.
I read 11,43
